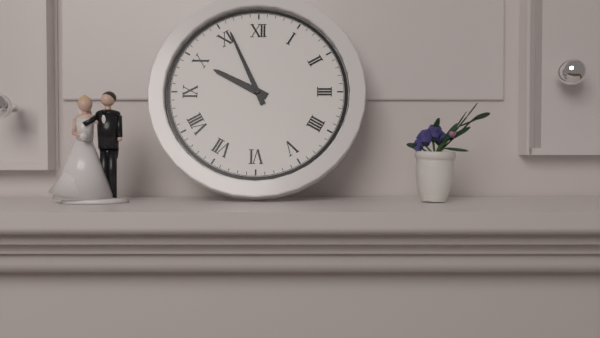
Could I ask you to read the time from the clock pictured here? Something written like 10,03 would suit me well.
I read 9,56
